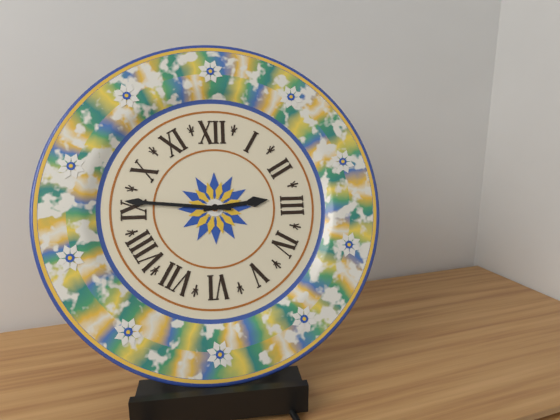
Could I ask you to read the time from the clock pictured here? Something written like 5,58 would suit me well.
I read 2,46
